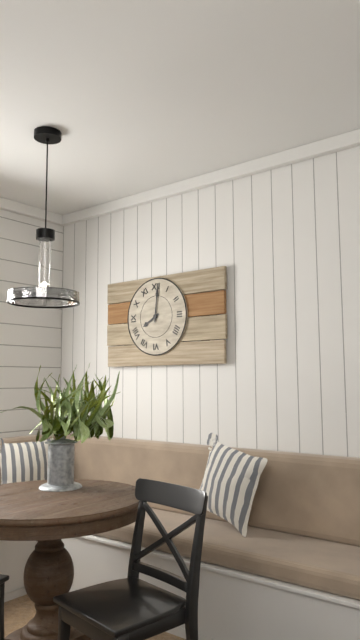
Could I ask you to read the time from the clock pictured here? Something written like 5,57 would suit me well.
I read 8,01
